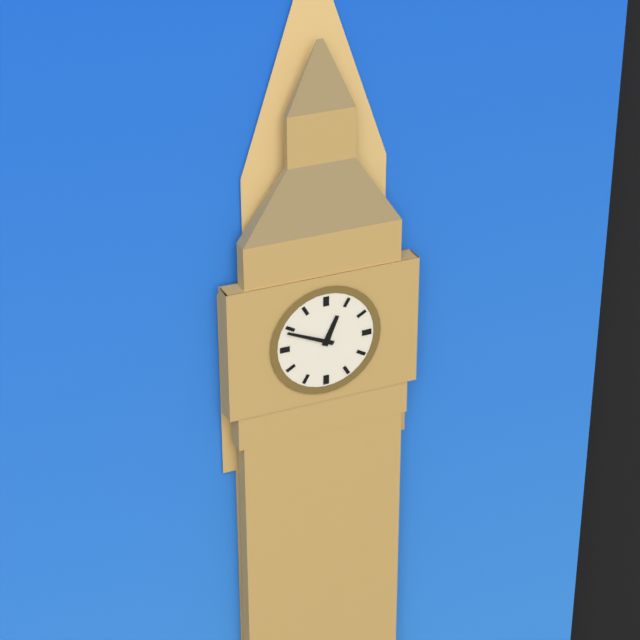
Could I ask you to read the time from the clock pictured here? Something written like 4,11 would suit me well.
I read 12,49
